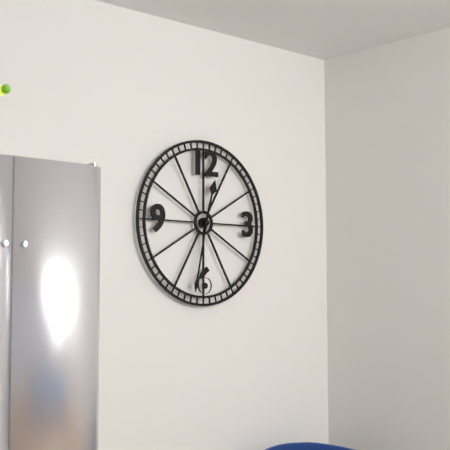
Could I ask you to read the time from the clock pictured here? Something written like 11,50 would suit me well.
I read 12,32
